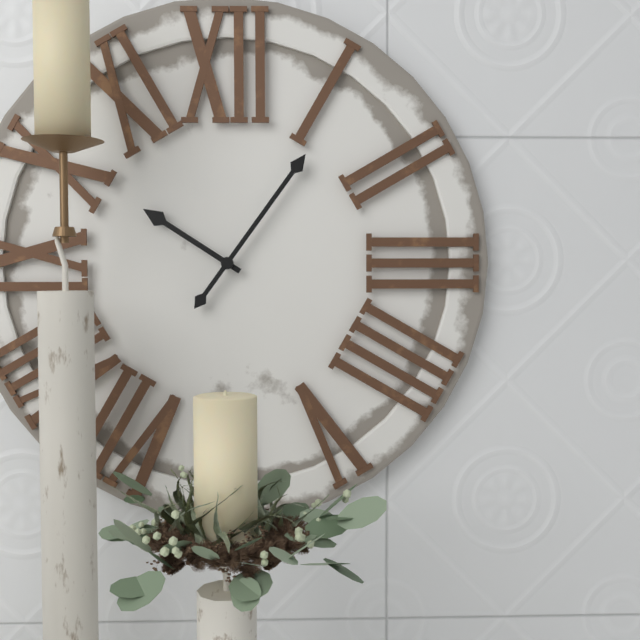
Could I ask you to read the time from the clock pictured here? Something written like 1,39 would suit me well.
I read 10,06
